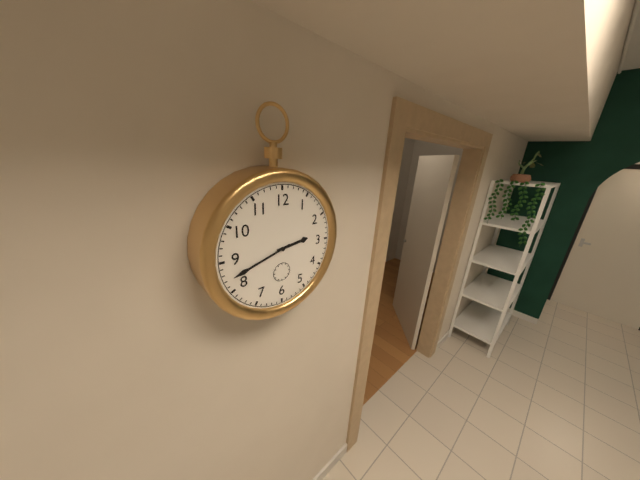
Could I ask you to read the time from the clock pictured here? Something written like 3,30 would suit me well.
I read 2,42
